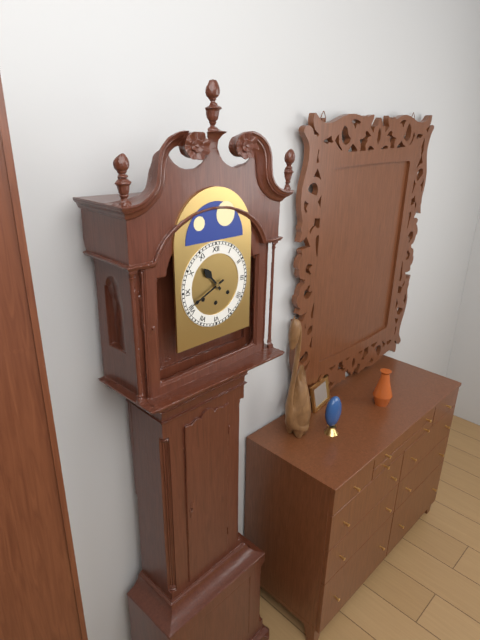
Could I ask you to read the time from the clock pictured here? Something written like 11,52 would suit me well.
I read 10,41
